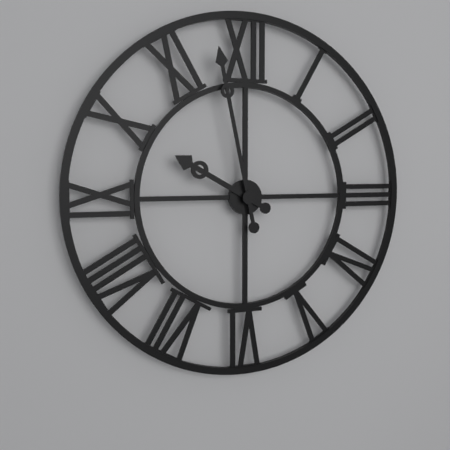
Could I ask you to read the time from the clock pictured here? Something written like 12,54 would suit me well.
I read 9,58
